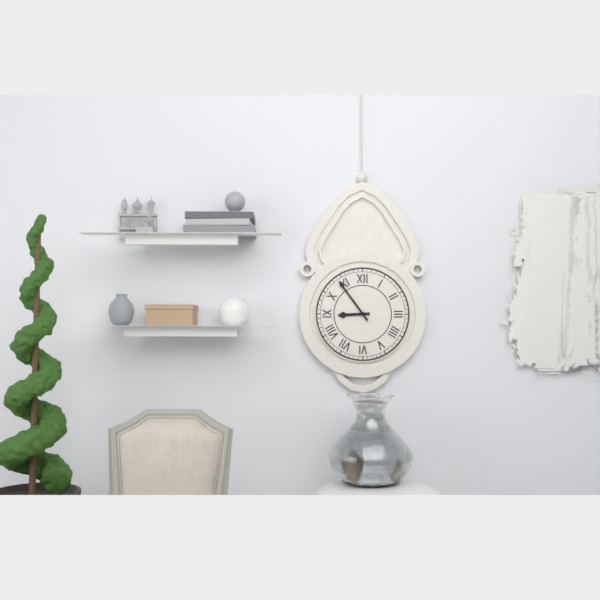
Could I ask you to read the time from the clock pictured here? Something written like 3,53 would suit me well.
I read 8,54
